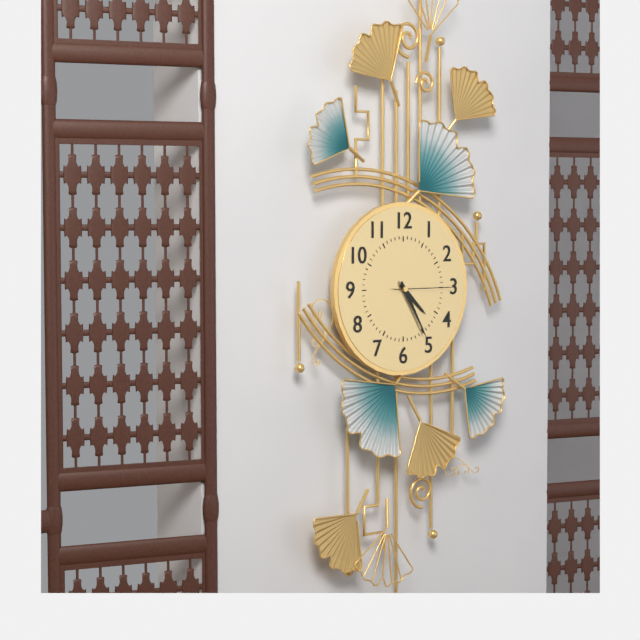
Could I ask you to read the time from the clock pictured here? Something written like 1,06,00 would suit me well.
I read 4,25,15
